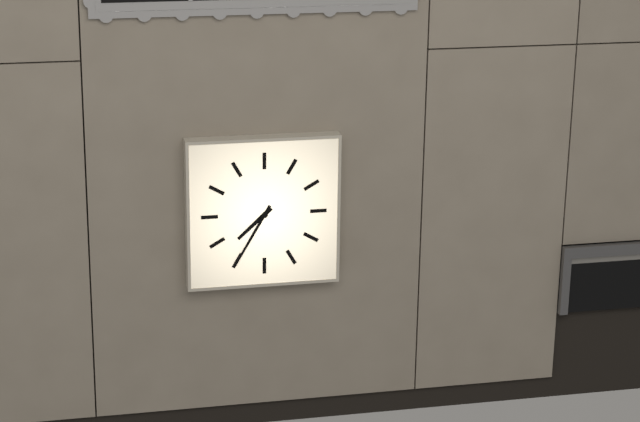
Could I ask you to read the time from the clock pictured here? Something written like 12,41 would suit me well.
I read 7,35
